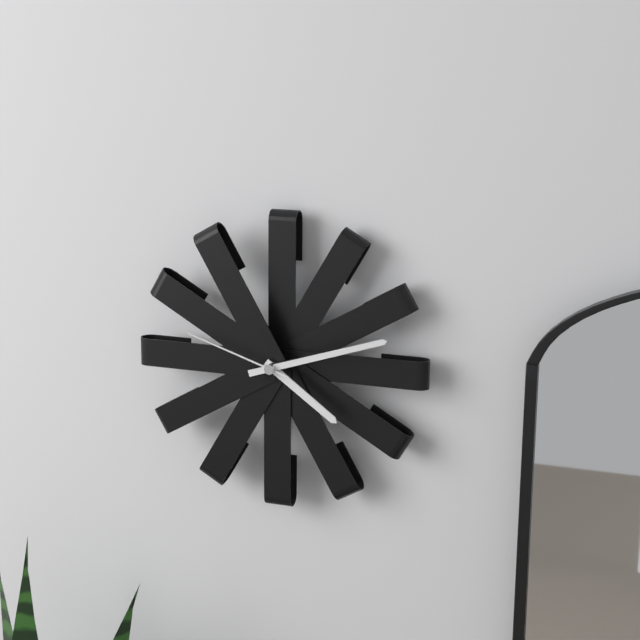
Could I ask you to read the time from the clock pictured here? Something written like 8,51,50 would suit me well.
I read 4,12,48
